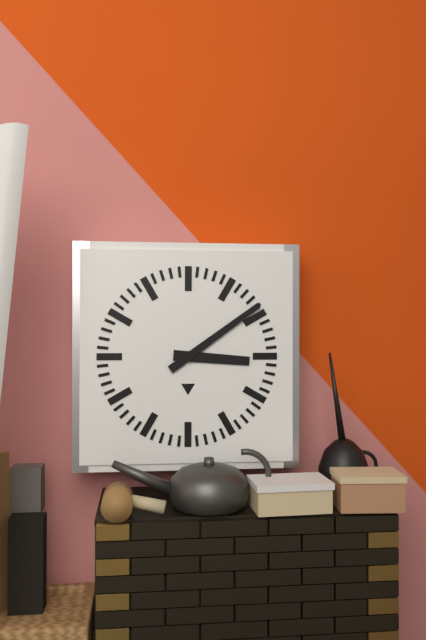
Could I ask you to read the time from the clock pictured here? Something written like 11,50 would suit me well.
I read 3,09
